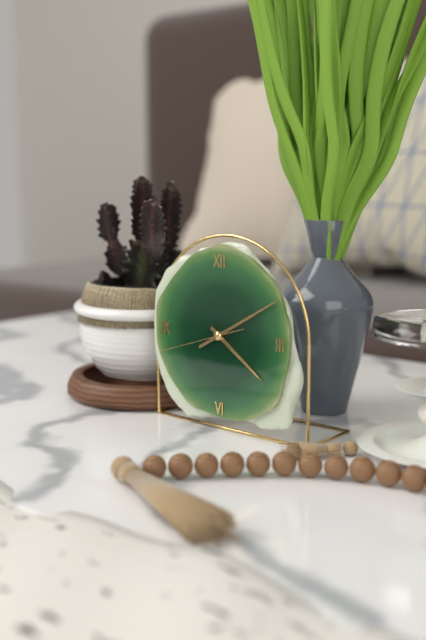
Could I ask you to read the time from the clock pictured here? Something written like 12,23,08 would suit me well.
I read 4,10,42
